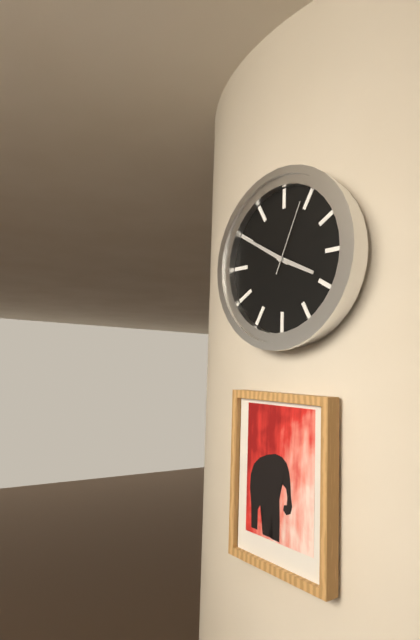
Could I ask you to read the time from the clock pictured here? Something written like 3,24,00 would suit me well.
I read 3,50,04
